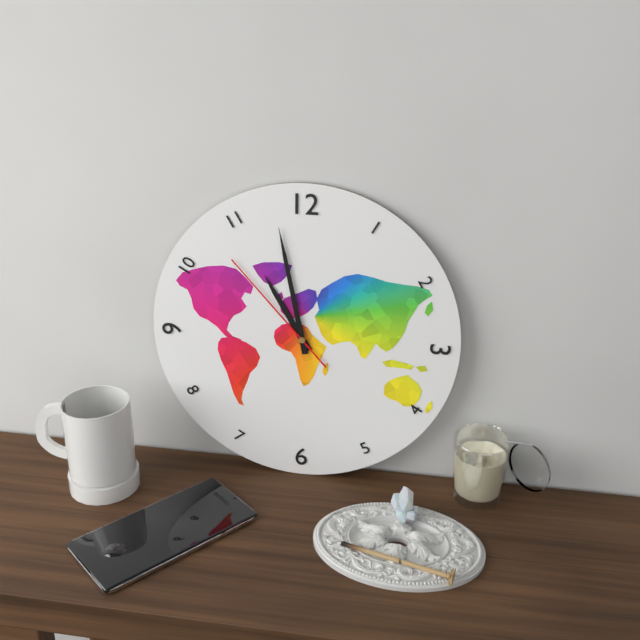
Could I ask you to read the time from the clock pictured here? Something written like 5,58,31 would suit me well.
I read 10,58,53
